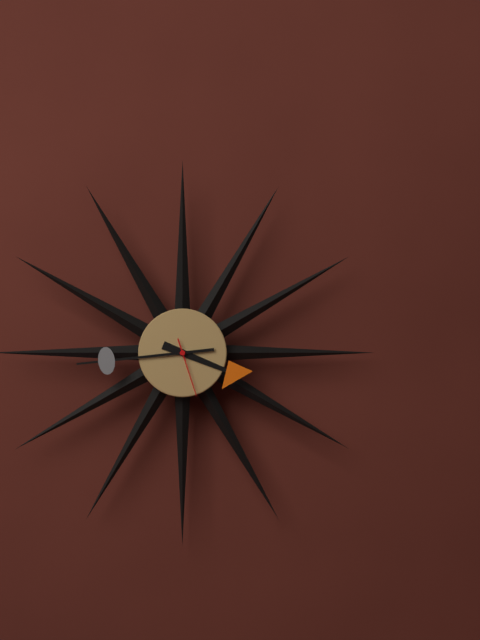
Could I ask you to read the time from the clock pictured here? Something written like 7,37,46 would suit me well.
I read 3,44,27
